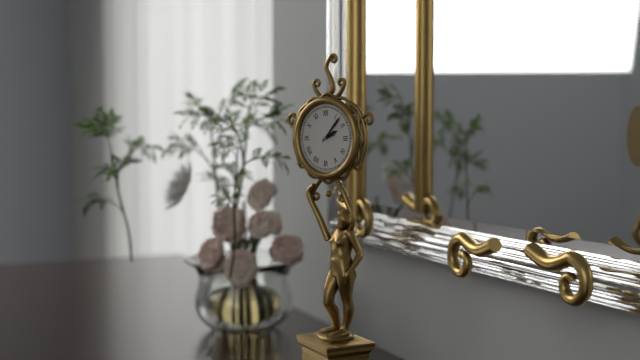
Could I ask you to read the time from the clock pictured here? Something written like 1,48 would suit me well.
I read 2,07
